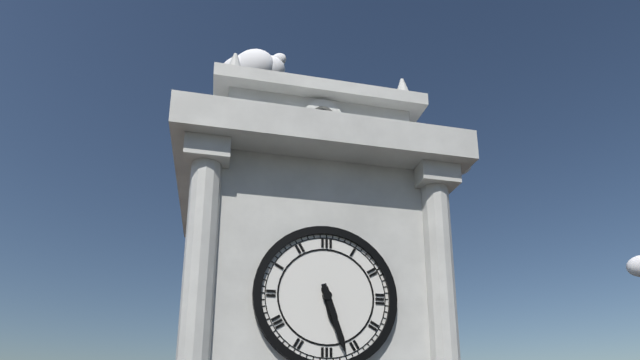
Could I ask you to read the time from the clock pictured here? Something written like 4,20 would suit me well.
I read 5,27
